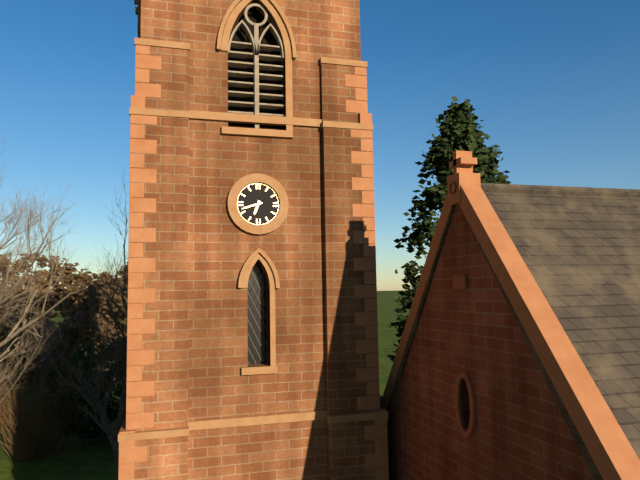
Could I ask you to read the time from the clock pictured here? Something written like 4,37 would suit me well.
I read 6,42
